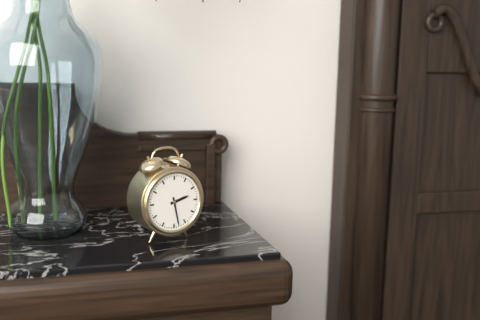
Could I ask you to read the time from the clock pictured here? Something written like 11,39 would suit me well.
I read 2,28
